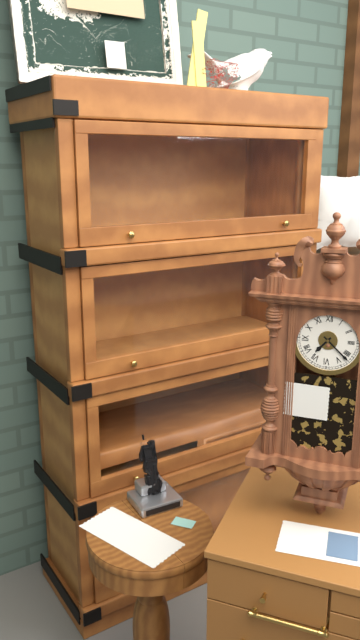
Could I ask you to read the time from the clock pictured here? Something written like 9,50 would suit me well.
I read 7,22
